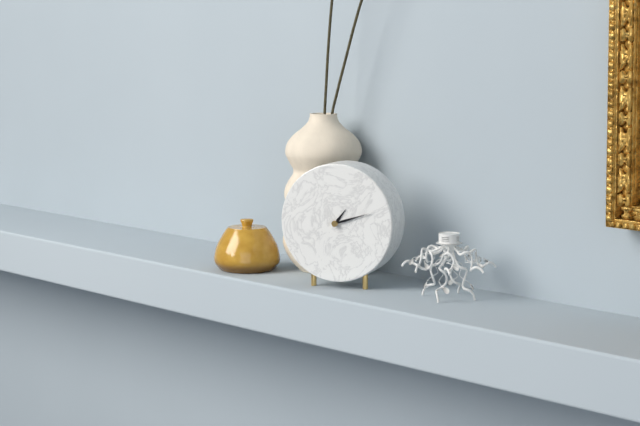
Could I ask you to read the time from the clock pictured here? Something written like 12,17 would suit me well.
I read 1,12
